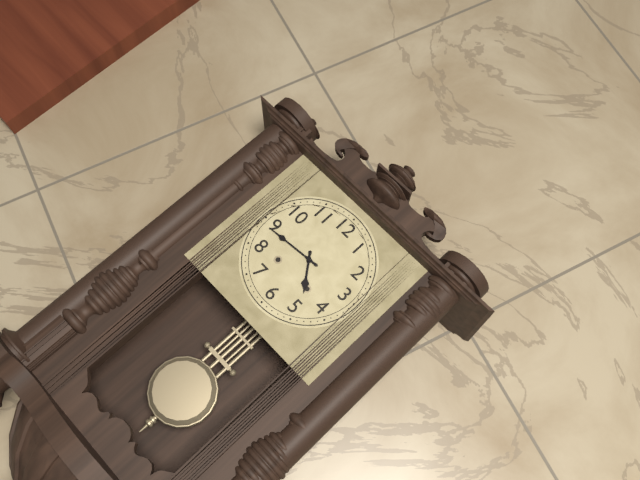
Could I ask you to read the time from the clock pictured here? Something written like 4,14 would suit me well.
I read 4,44
